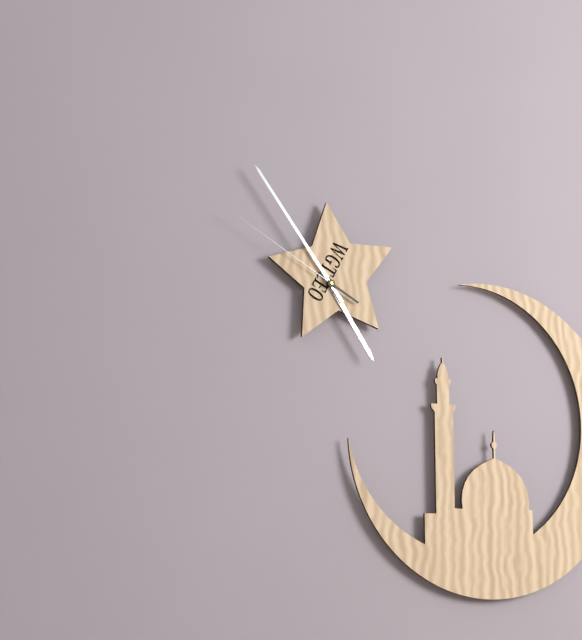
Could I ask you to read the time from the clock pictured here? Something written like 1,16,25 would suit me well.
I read 4,54,50
